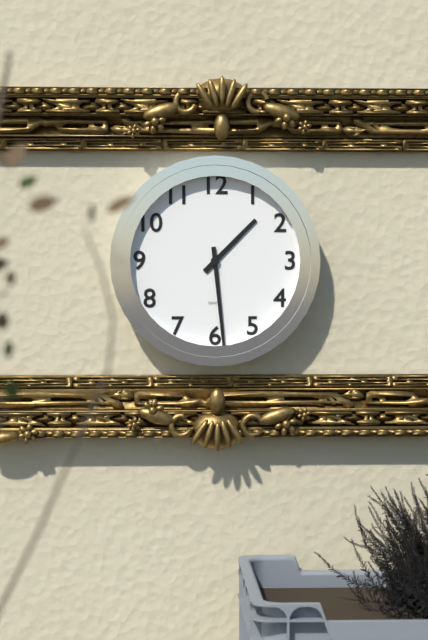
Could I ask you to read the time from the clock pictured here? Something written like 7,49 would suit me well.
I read 1,29
